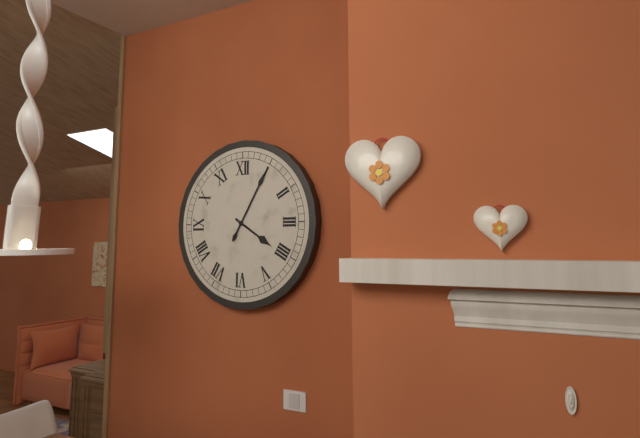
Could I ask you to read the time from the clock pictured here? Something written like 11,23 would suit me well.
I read 4,05
